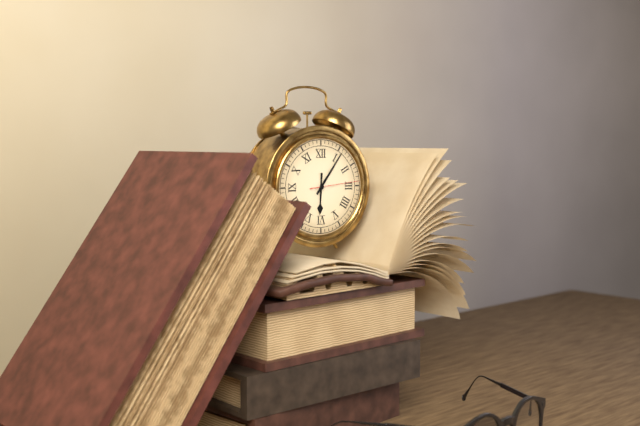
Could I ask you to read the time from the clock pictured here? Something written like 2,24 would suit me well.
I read 6,06
